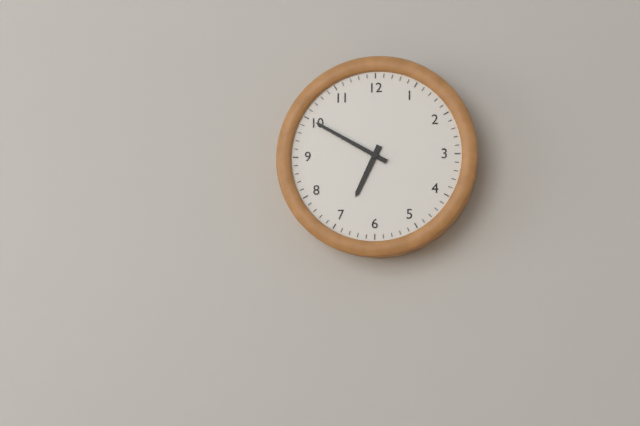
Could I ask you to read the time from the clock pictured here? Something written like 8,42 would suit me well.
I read 6,50
